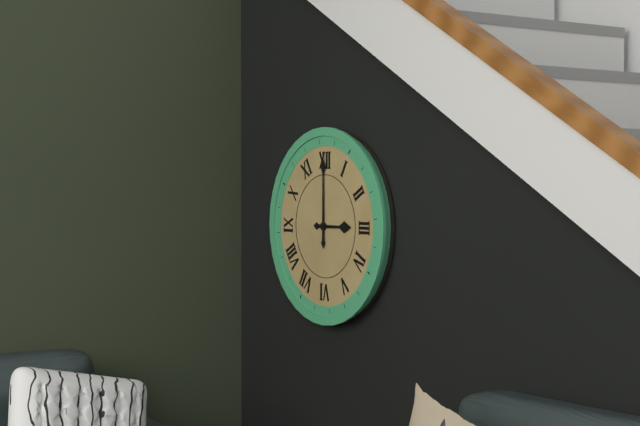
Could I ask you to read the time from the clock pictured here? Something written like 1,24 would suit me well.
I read 3,00
